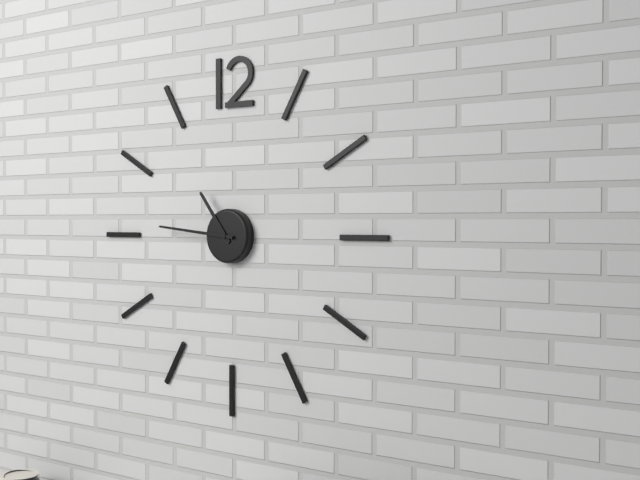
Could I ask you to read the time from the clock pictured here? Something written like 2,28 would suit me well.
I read 10,46
